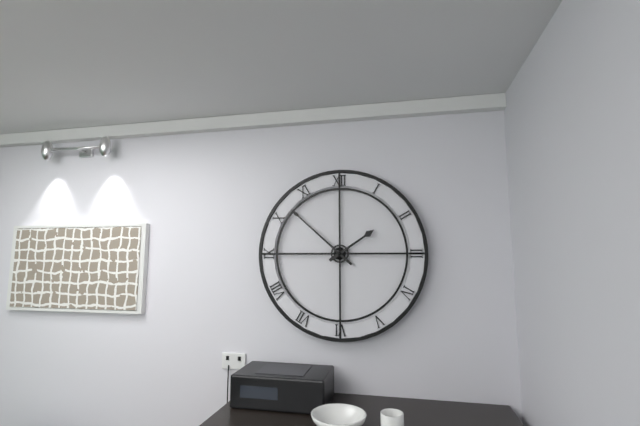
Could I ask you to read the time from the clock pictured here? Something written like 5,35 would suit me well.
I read 1,52
